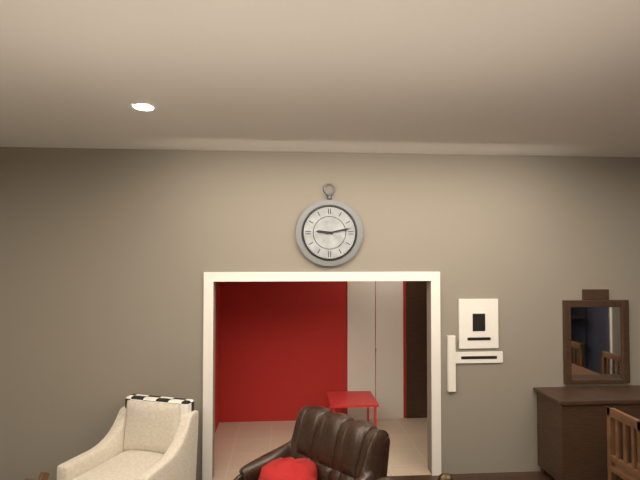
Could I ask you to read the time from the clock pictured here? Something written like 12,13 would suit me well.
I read 9,13
